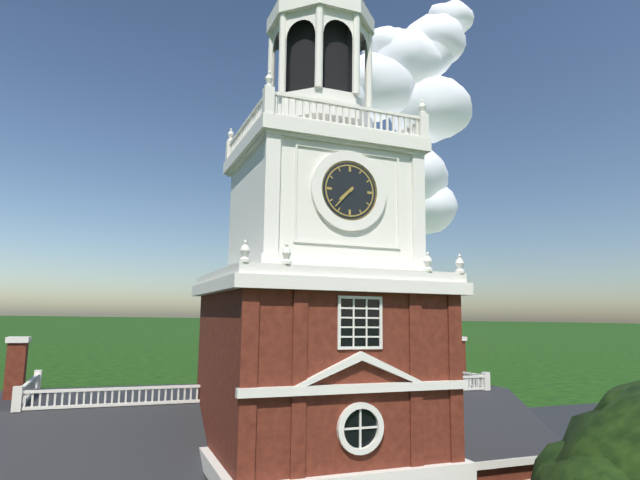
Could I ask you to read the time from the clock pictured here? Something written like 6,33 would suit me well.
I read 7,37
